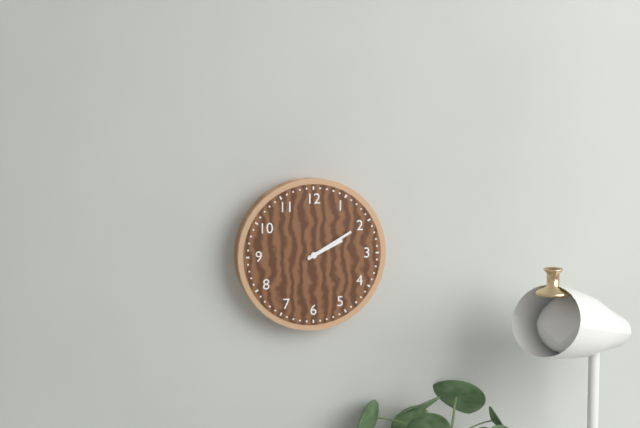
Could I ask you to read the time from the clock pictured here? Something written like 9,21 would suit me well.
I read 2,10
